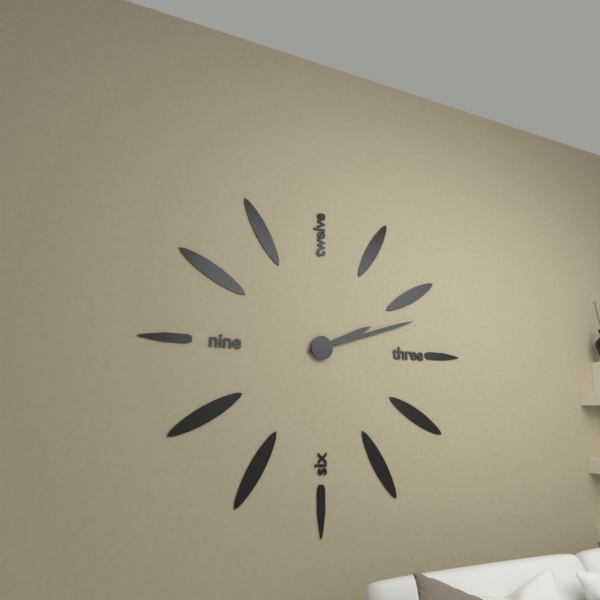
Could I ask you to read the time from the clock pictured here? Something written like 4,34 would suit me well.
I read 2,12
